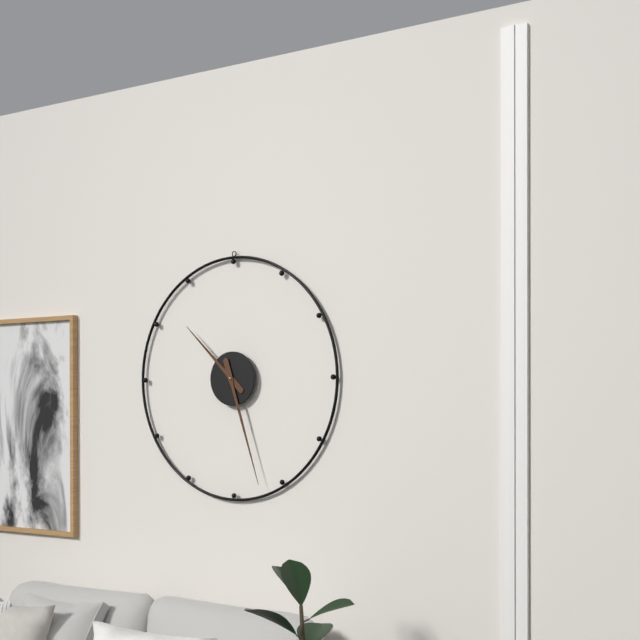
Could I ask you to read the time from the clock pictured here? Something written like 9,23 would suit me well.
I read 10,27
